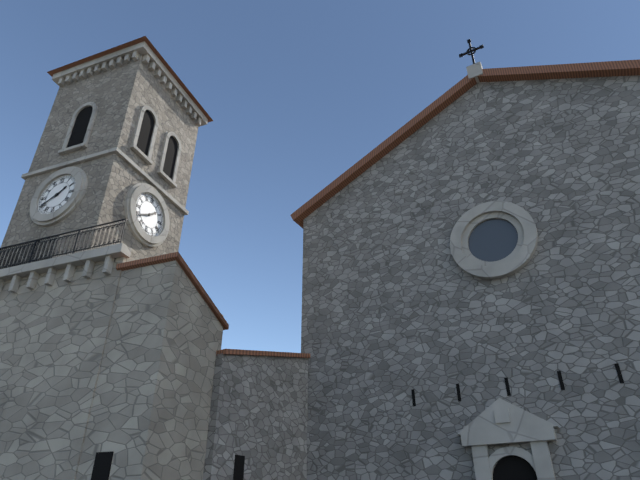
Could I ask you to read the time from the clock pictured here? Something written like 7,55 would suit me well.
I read 1,40
